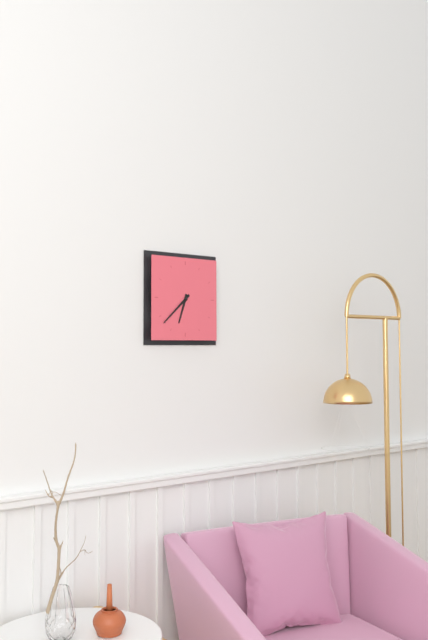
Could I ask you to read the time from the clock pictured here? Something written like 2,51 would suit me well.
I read 6,38
